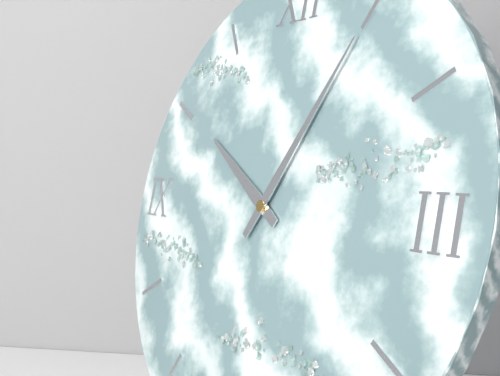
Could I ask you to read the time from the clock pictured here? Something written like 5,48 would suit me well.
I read 10,05
